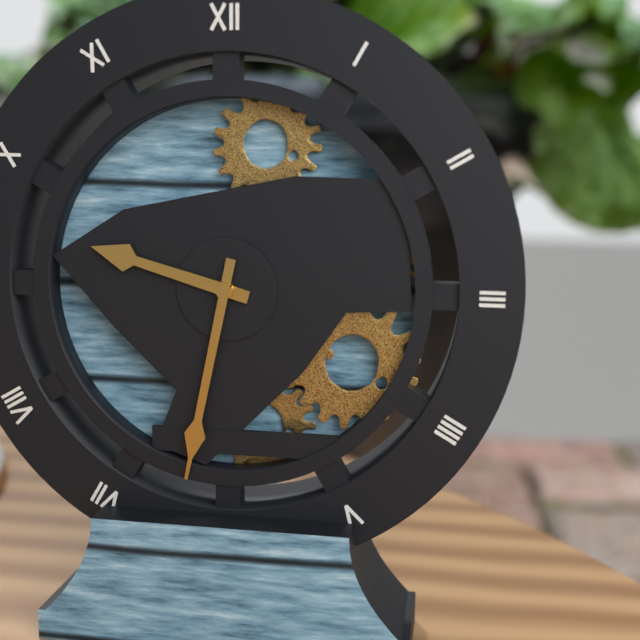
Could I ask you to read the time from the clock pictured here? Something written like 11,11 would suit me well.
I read 9,32
